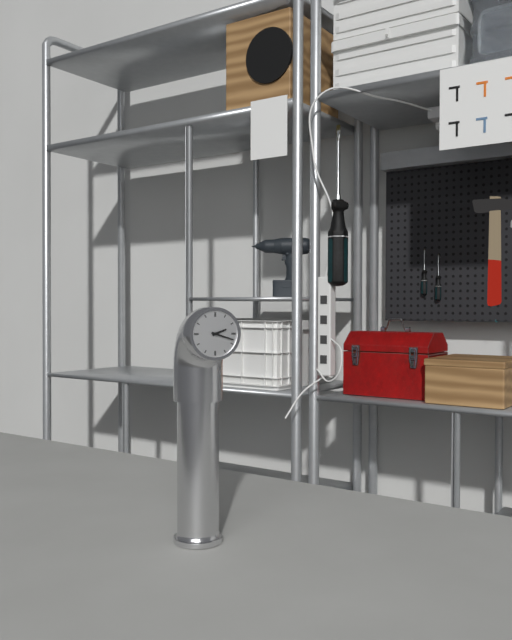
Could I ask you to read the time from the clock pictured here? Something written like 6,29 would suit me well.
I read 2,18
